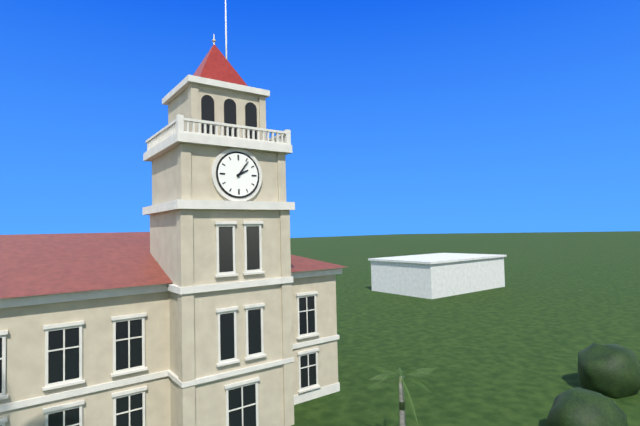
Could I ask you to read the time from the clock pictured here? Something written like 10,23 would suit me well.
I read 2,06
